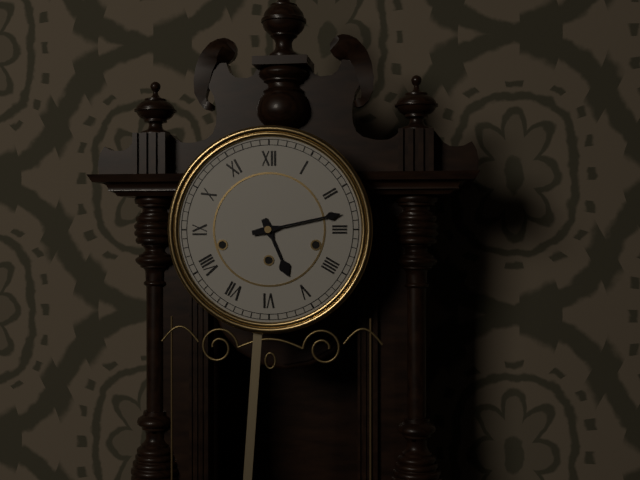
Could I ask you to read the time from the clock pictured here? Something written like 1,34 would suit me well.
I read 5,13
